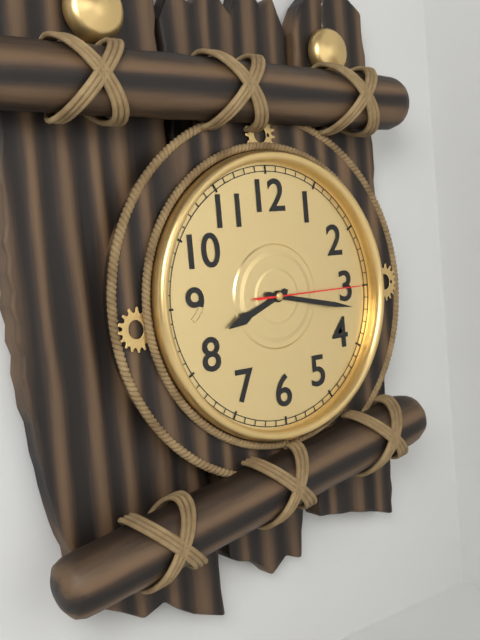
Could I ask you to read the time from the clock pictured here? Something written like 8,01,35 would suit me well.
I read 8,17,15
